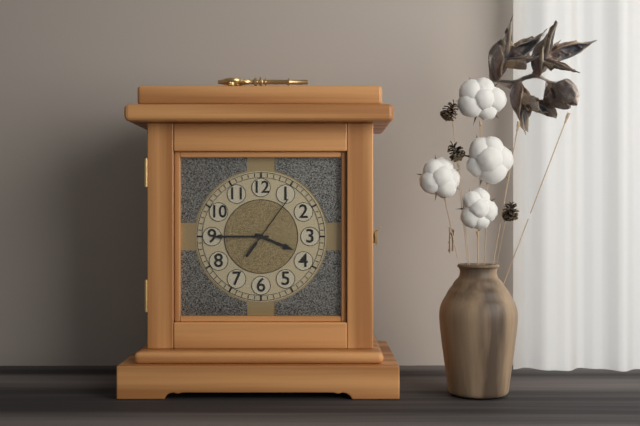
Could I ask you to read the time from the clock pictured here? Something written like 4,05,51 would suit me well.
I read 3,45,06
